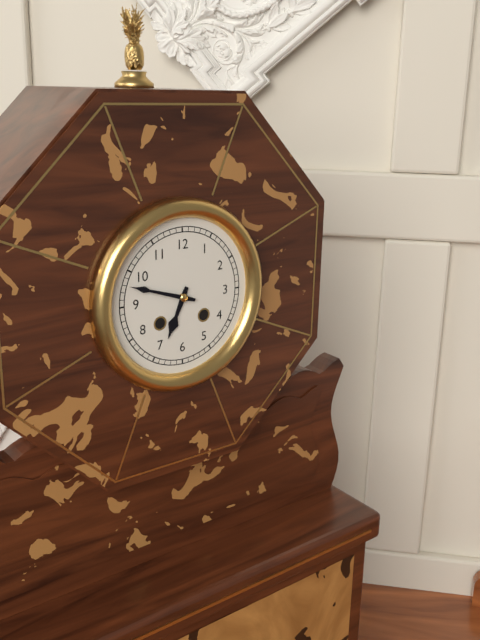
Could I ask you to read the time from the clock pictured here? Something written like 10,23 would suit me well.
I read 6,48
